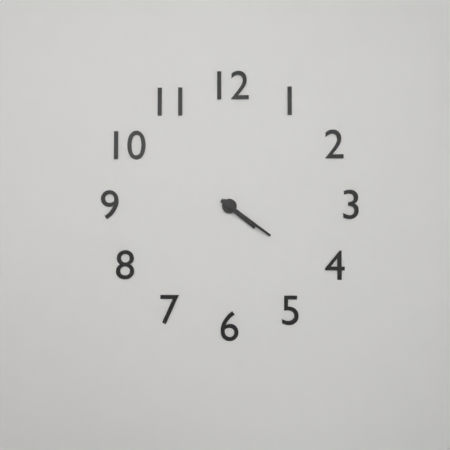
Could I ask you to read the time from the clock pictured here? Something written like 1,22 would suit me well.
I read 4,21
